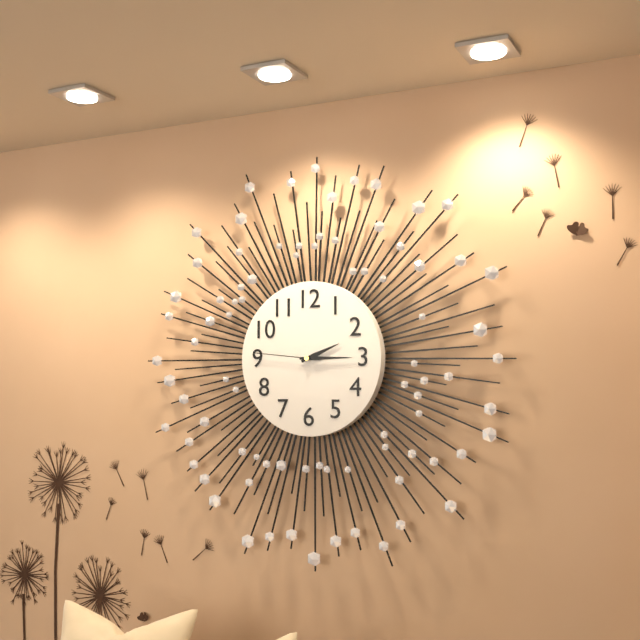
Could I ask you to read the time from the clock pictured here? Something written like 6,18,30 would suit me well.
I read 2,15,46
